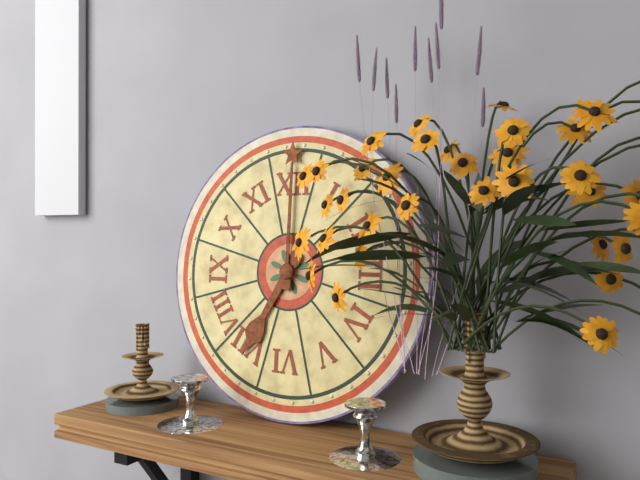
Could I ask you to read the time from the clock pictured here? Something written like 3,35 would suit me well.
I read 7,00
